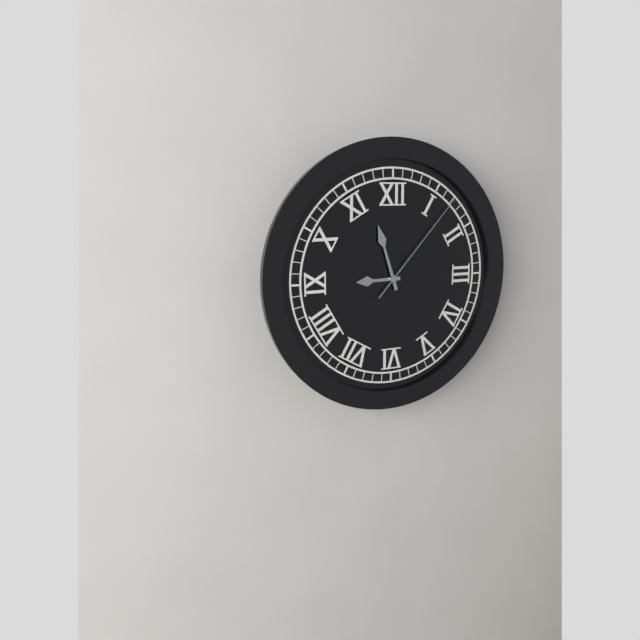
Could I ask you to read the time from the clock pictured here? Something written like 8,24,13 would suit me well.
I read 8,57,07
